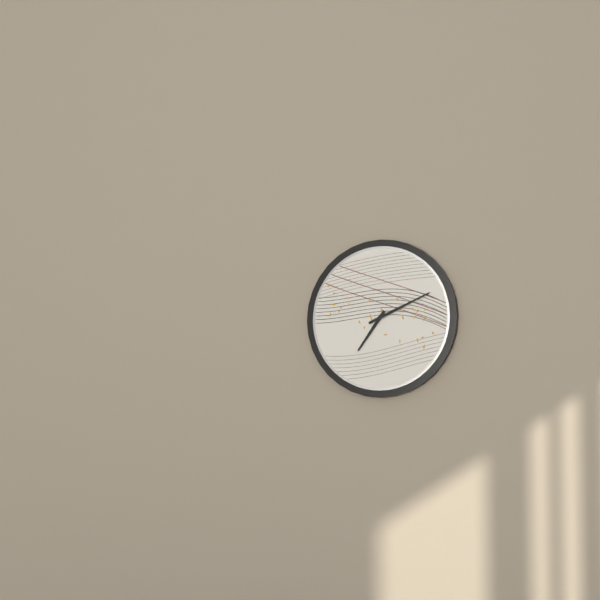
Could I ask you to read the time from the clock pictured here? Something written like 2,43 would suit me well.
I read 7,11
